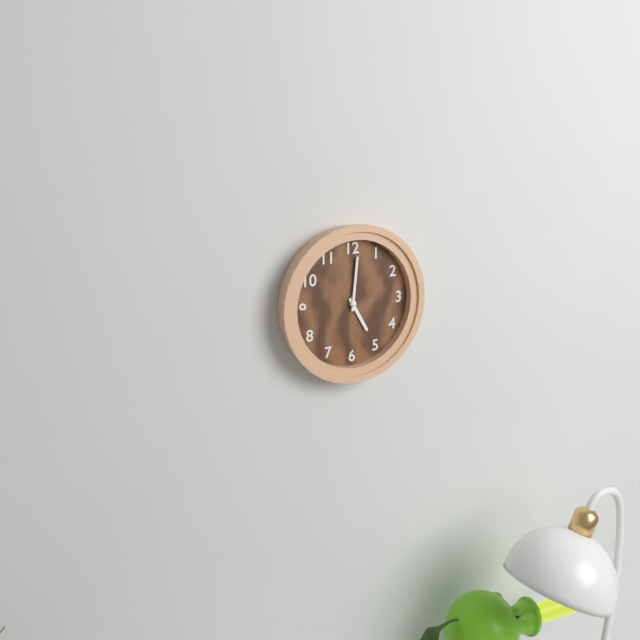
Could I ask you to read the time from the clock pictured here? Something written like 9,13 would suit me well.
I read 5,01
